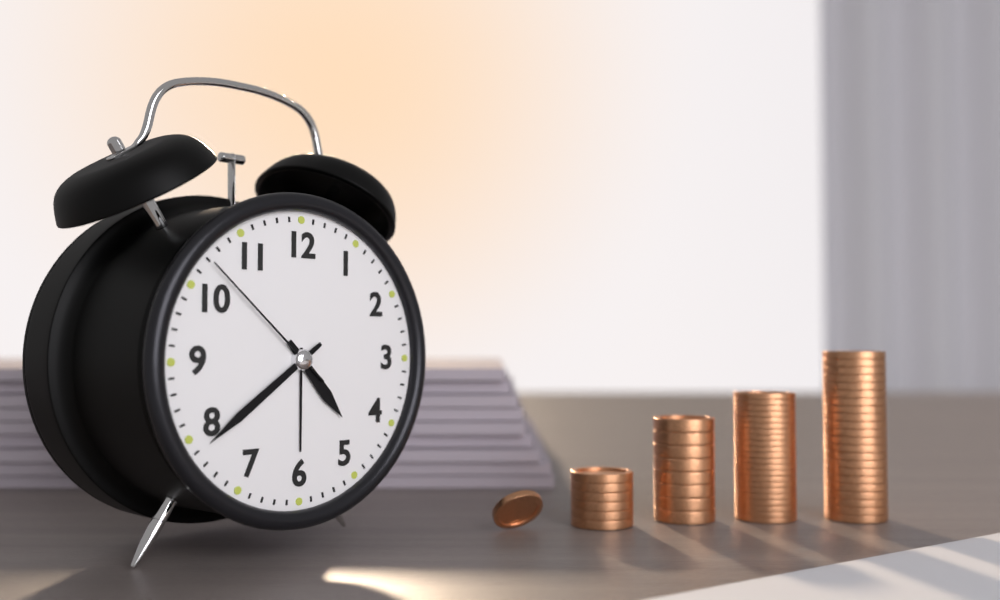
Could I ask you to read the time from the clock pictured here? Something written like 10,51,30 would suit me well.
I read 4,39,52
